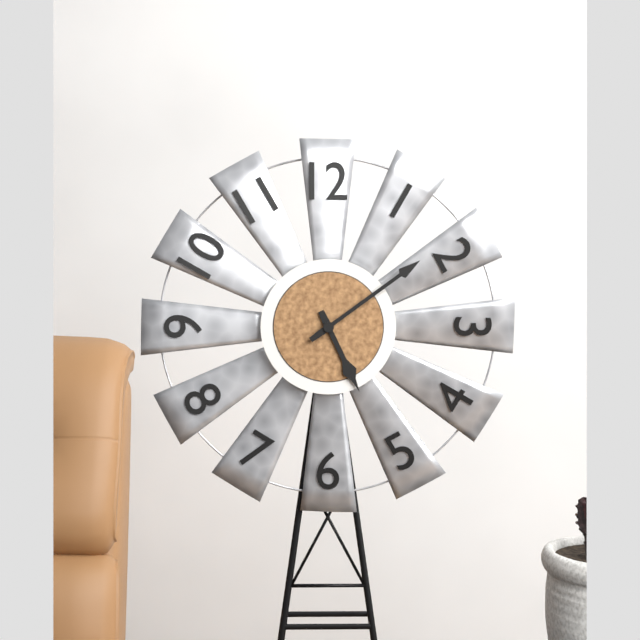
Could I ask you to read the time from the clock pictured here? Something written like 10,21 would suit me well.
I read 5,09
